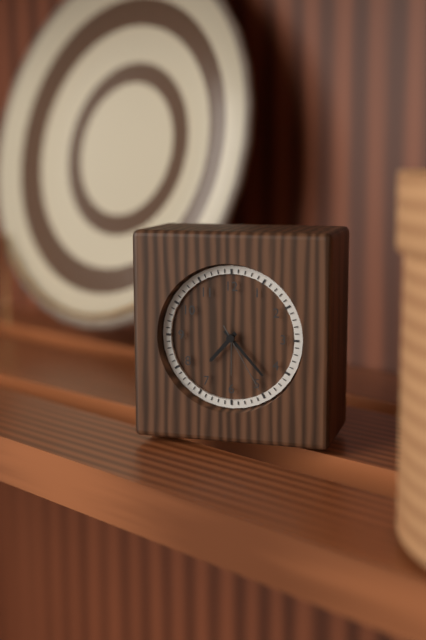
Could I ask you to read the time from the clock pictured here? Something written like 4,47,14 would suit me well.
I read 7,23,25
